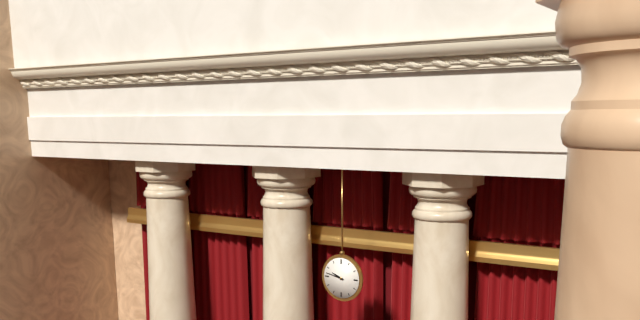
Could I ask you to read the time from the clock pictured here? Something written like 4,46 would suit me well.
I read 9,47
